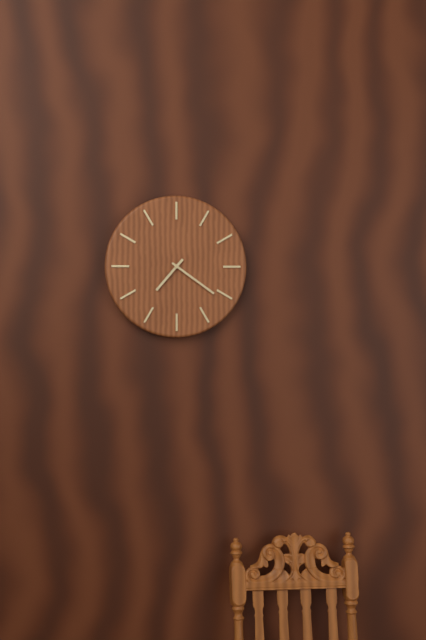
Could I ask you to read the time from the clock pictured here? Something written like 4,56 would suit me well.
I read 7,21
